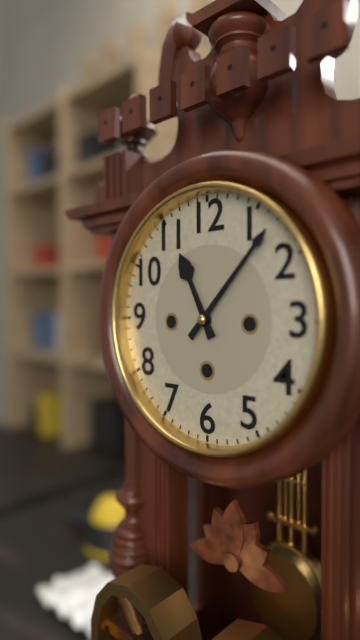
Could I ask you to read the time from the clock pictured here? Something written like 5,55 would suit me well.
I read 11,07
